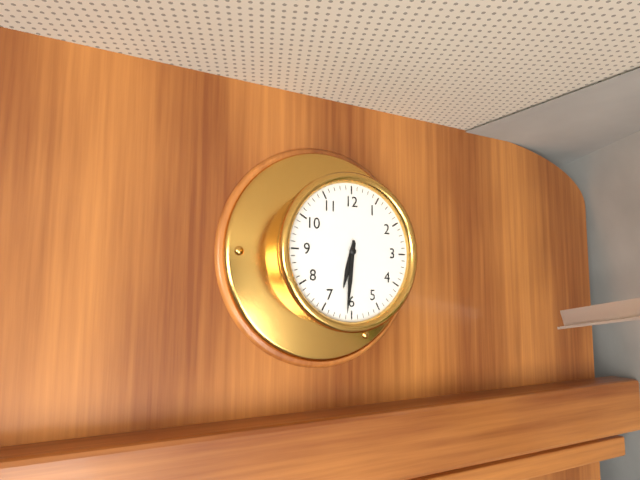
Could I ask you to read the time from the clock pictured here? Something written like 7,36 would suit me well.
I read 6,31
